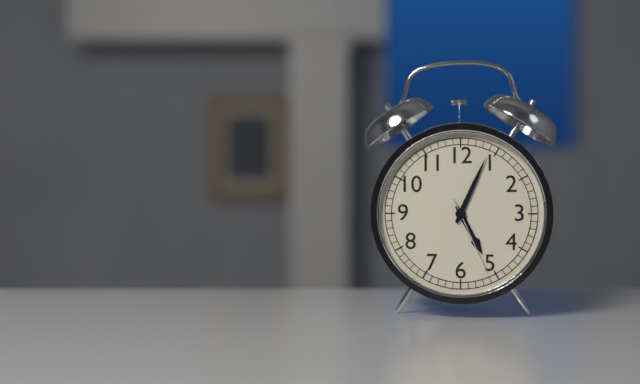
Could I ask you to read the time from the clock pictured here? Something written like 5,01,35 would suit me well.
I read 5,04,26
